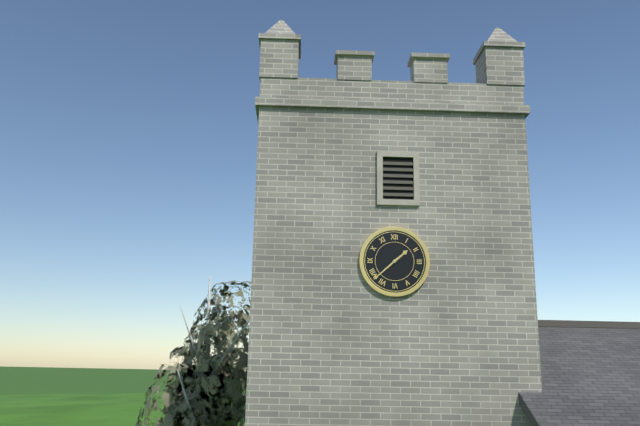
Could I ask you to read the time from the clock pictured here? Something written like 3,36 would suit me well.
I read 1,38
